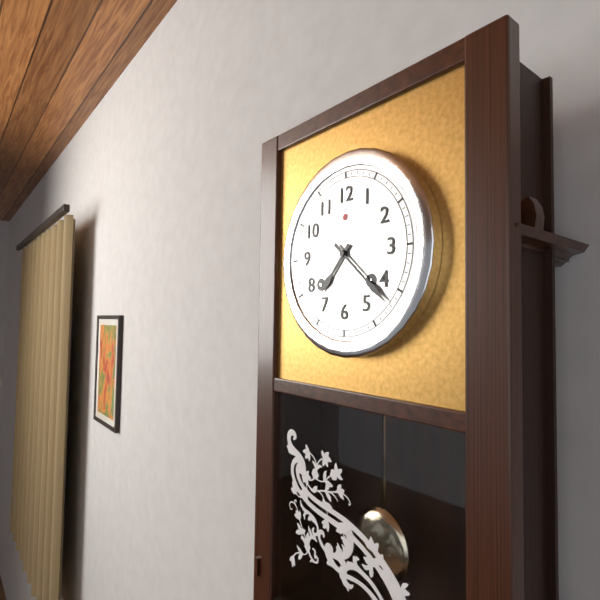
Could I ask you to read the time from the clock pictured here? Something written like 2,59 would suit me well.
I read 7,22
